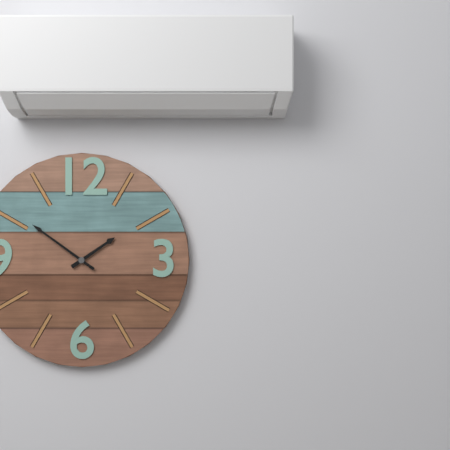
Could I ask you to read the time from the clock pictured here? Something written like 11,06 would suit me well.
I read 1,51
